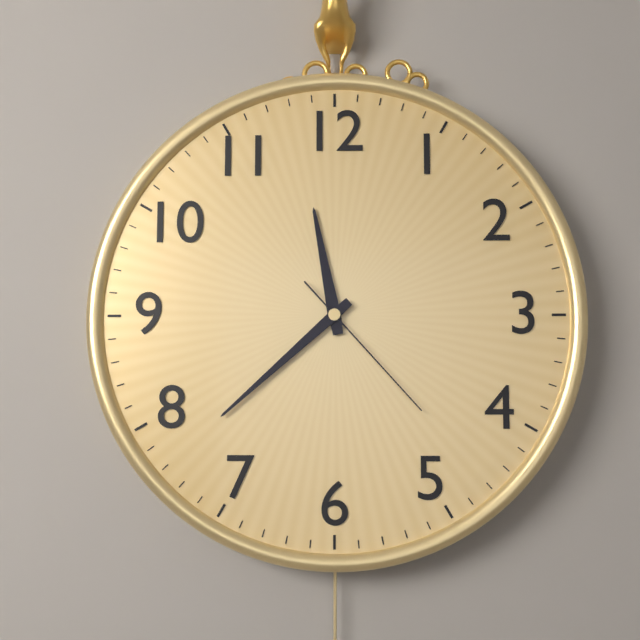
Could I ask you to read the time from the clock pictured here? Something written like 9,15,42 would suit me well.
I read 11,38,23
